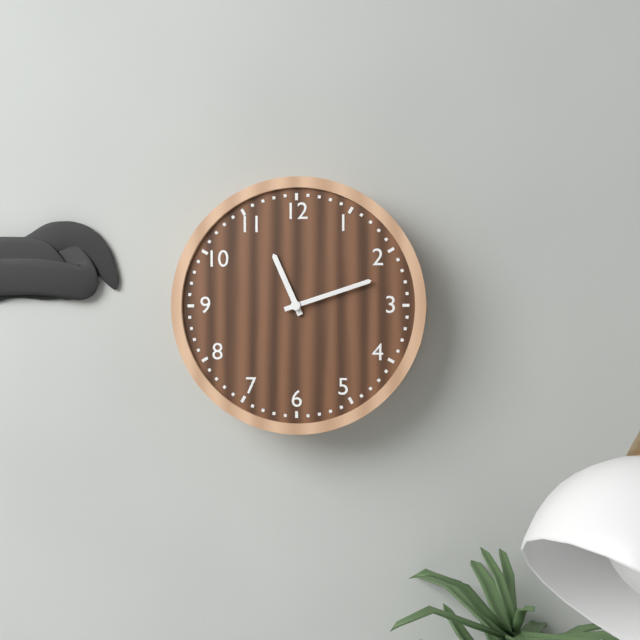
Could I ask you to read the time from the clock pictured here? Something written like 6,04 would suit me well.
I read 11,12
